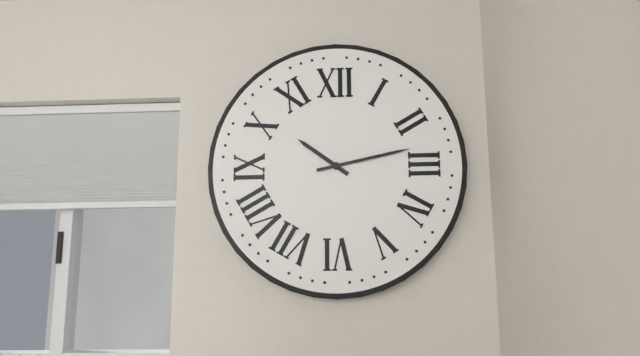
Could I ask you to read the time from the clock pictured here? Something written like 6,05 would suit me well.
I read 10,13
